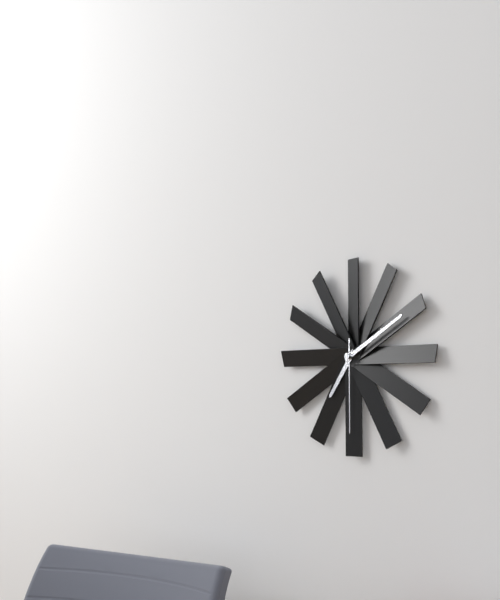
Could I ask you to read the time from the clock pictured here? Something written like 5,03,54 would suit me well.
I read 7,10,30
